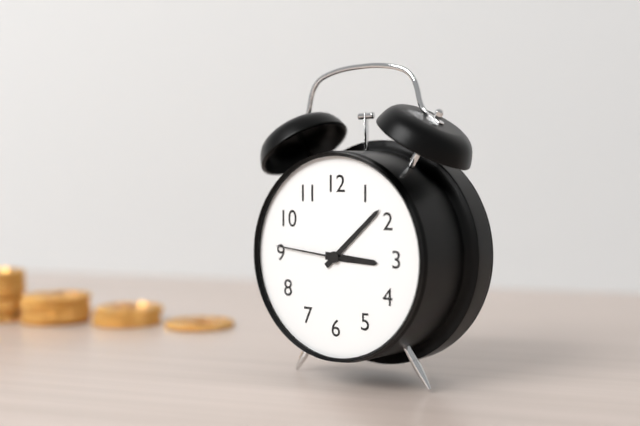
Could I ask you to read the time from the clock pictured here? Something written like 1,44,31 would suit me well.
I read 3,08,46
